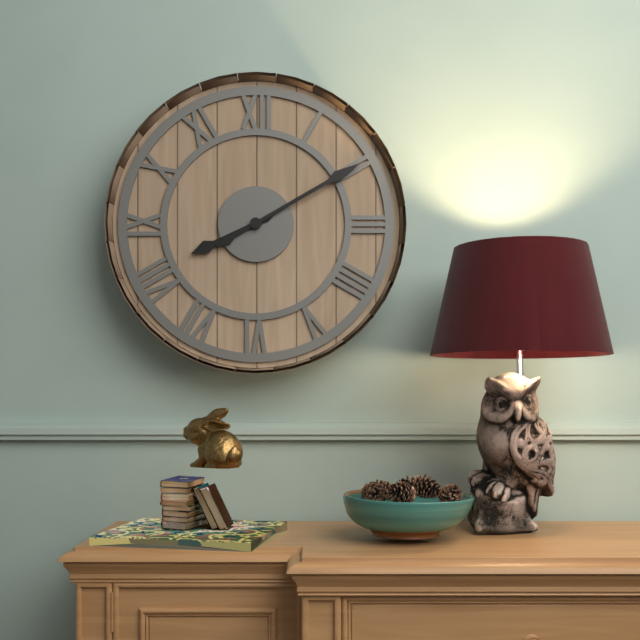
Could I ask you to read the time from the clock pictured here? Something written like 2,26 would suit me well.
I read 8,10
